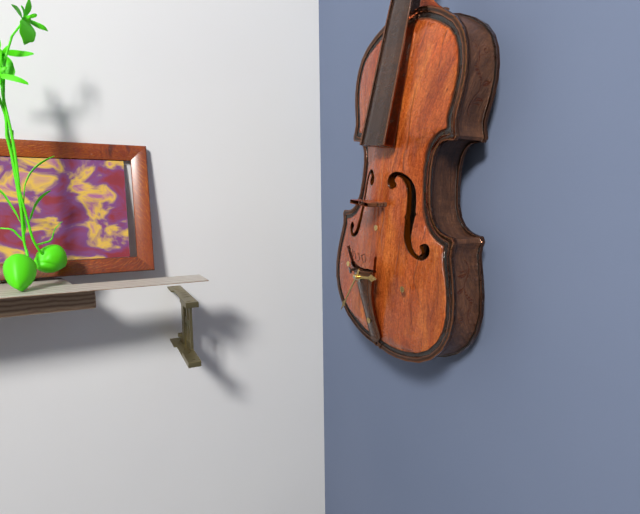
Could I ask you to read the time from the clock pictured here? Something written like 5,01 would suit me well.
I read 2,35
